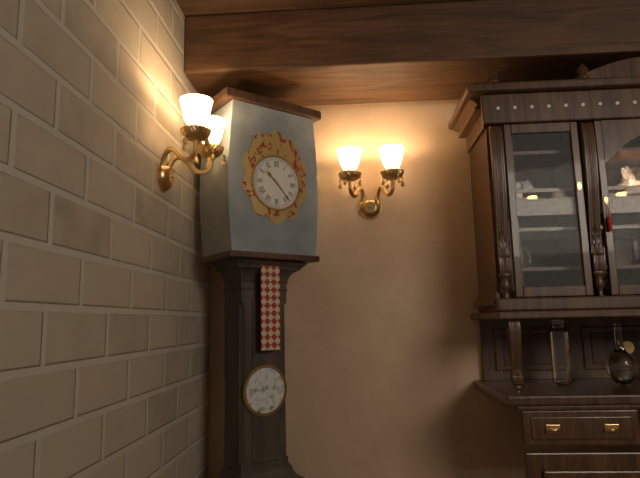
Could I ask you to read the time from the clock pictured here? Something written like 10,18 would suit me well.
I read 10,23
